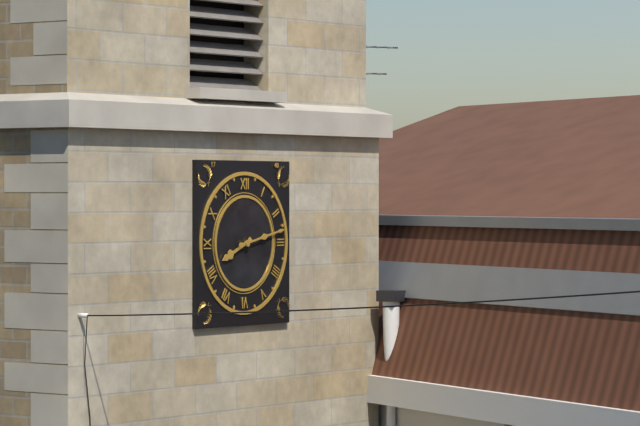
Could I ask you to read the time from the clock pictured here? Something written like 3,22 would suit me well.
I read 8,13
